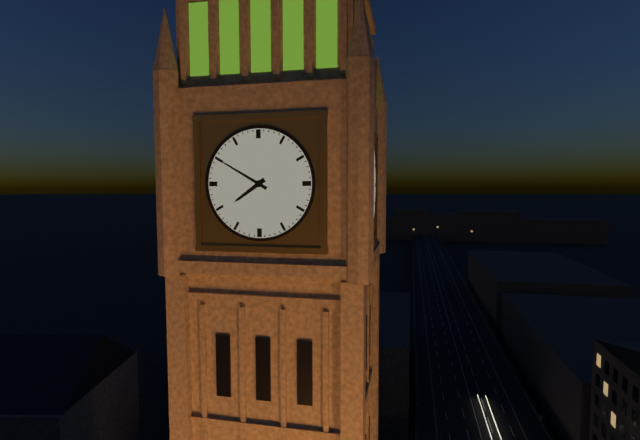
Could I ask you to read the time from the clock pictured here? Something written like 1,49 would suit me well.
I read 7,50
